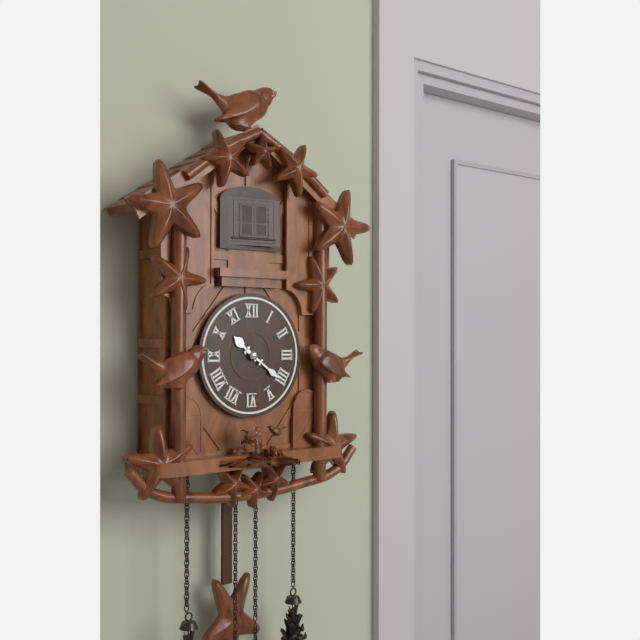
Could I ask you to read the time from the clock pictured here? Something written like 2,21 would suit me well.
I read 10,21
